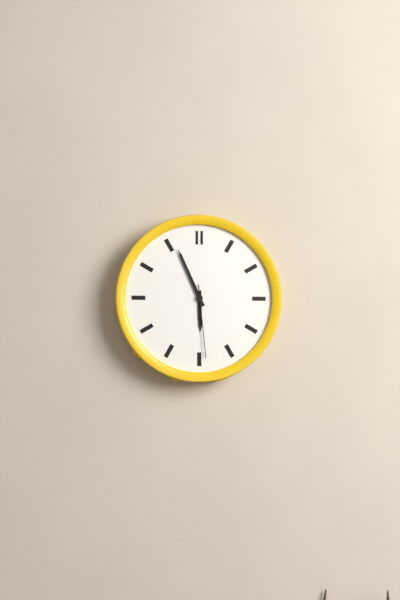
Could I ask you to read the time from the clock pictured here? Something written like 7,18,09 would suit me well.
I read 5,56,29
